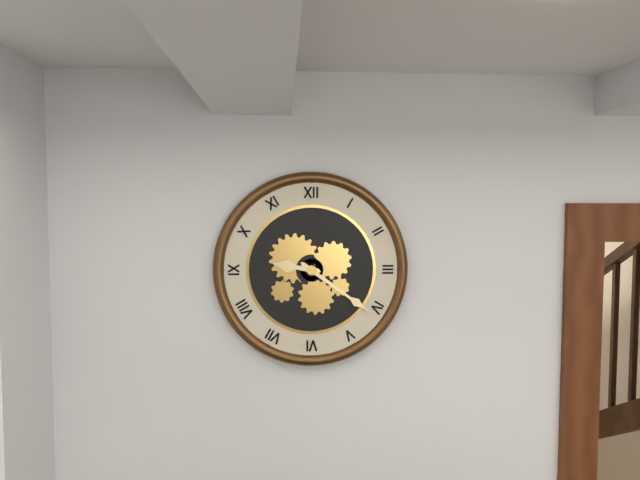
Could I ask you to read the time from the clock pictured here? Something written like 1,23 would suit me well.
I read 9,21
